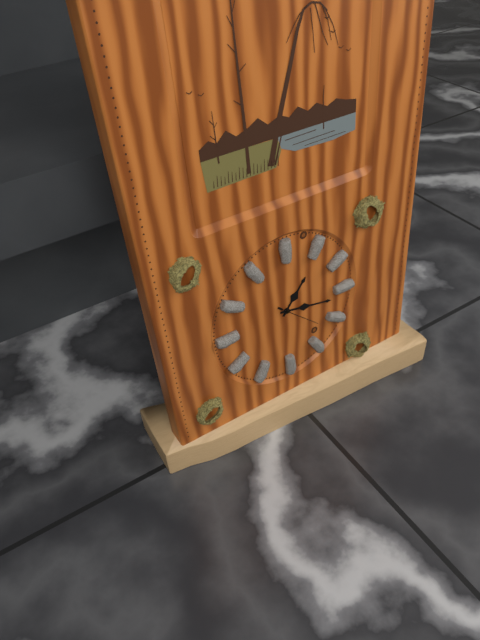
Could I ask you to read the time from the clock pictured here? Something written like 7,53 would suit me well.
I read 1,17
